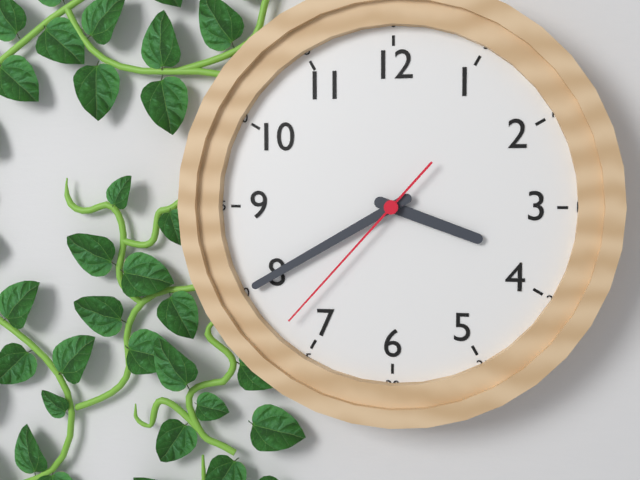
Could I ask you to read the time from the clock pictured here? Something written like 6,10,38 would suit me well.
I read 3,40,37
